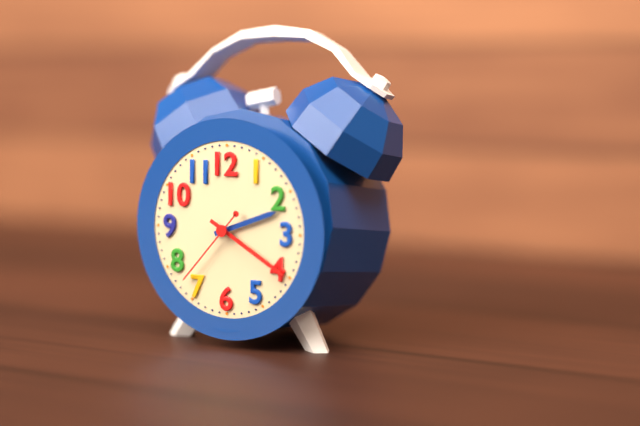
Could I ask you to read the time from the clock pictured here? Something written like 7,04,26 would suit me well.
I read 2,20,37
